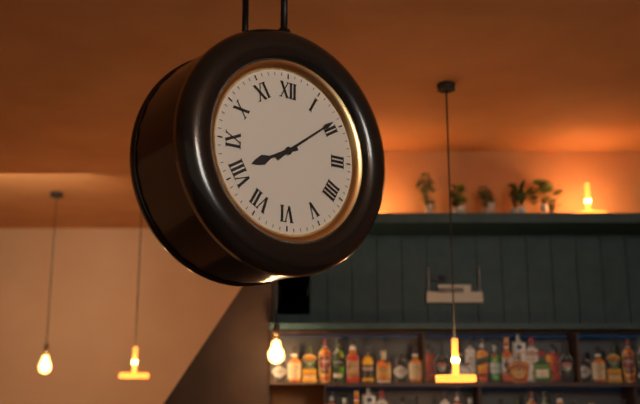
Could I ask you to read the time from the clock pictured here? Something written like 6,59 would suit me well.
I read 8,09
